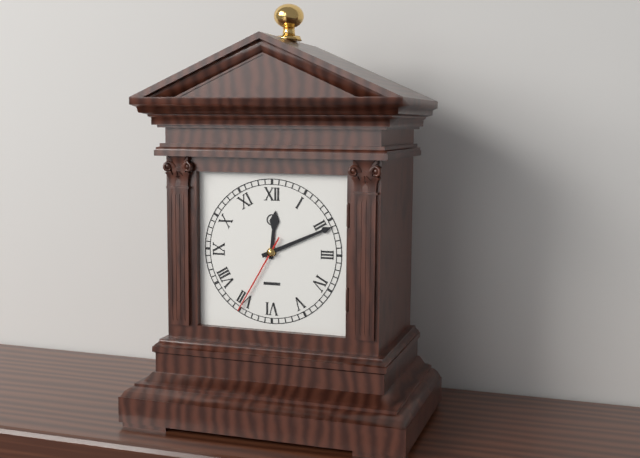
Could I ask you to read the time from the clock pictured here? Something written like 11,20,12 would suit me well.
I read 12,11,35
